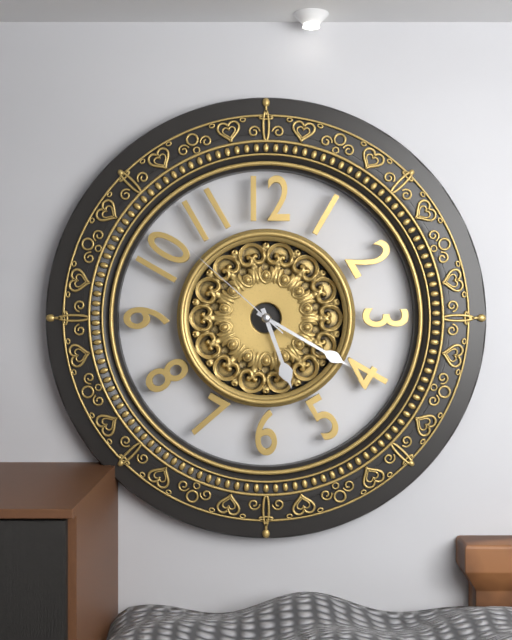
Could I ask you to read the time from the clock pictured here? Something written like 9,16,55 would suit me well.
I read 5,20,52
